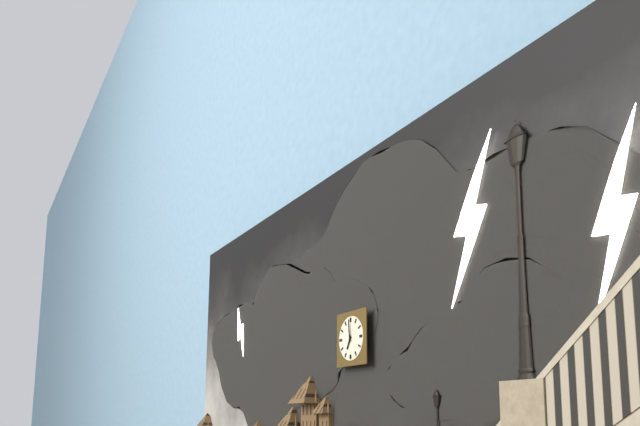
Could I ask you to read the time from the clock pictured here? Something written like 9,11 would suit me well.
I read 6,59
